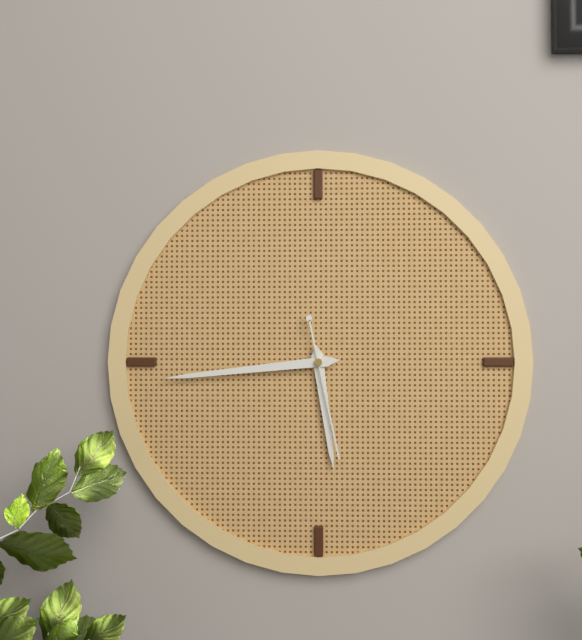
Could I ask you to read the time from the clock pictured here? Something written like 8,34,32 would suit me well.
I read 5,44,28
